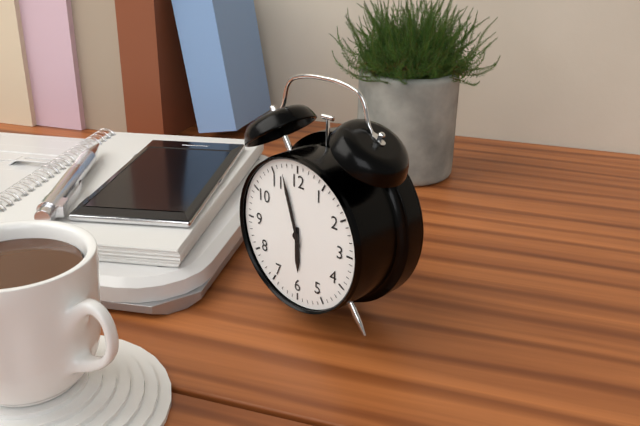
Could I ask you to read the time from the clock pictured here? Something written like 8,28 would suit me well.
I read 5,57
